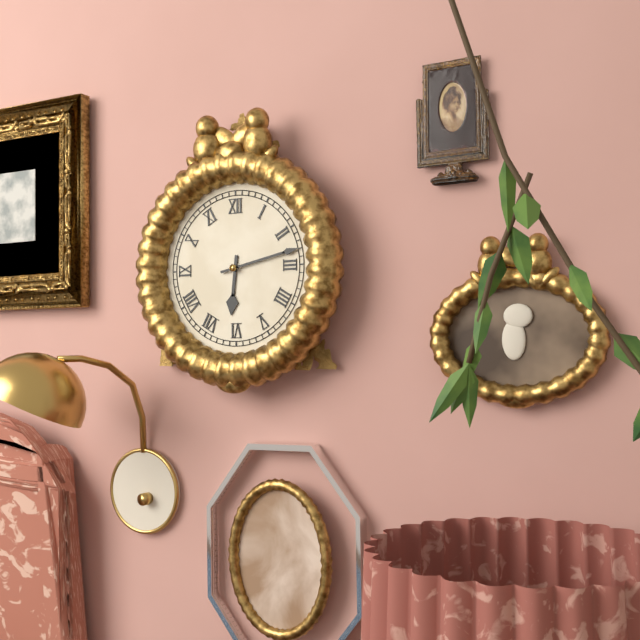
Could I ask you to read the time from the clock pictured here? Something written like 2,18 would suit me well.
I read 6,13
